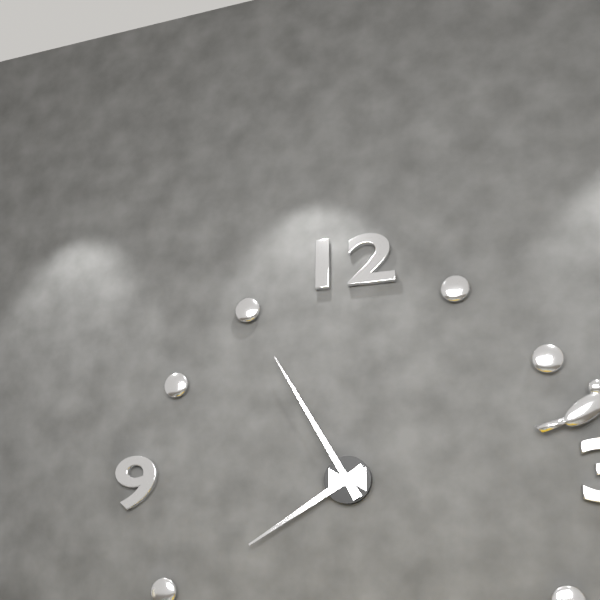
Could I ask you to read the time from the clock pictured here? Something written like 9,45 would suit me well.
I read 7,55
